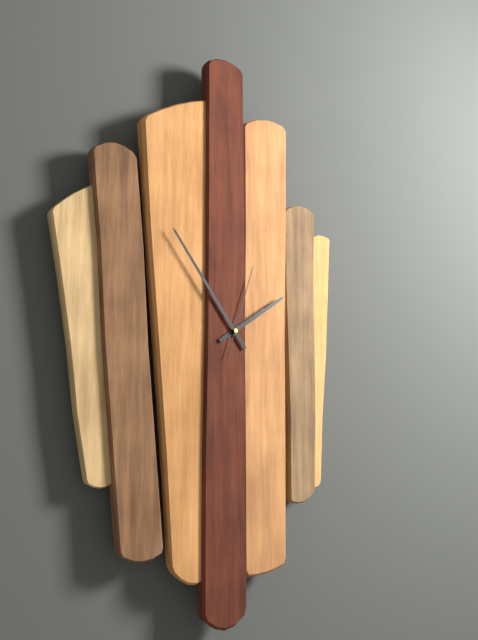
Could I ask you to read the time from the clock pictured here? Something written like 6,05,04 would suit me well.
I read 1,54,03
